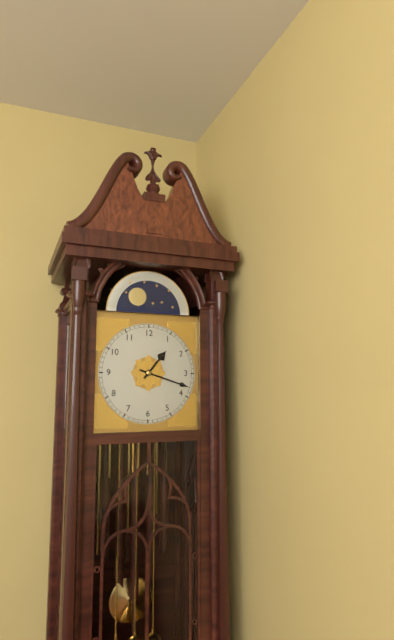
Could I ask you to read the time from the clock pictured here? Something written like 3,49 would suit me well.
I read 1,18
